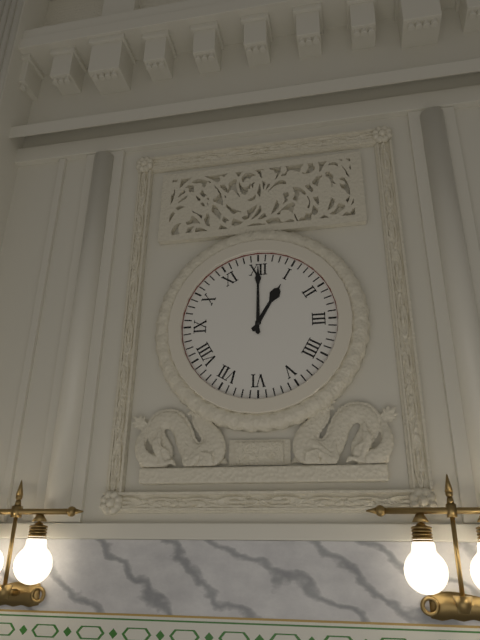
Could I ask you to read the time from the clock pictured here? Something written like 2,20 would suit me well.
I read 1,00
